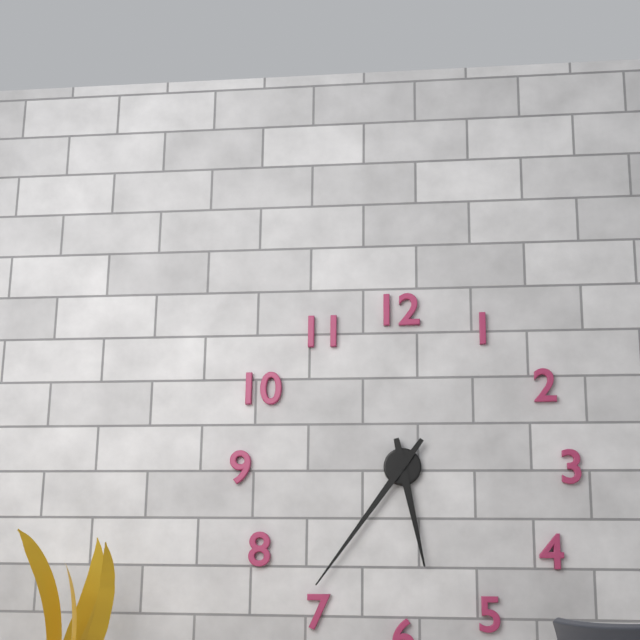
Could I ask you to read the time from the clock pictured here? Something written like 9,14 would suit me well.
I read 5,36
